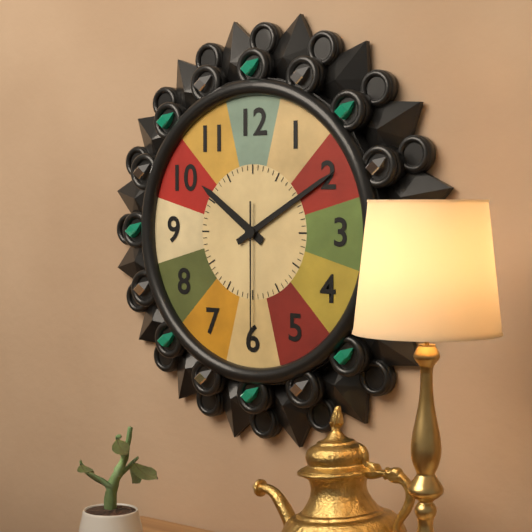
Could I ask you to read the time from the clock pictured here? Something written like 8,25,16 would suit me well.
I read 10,10,30
